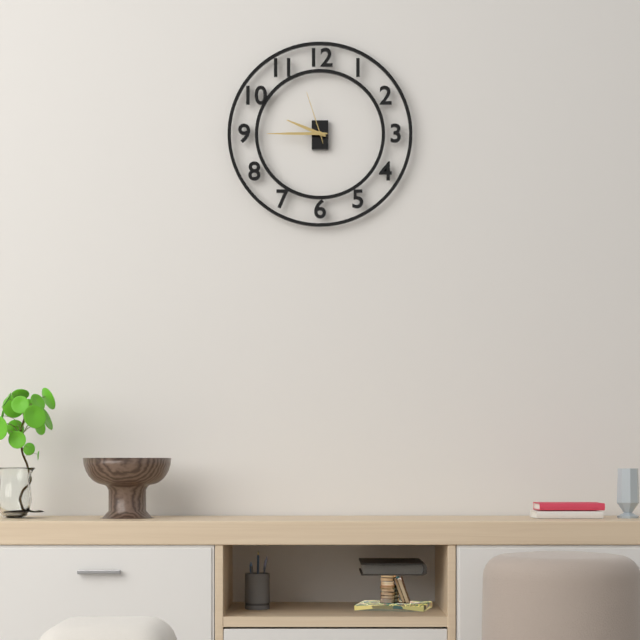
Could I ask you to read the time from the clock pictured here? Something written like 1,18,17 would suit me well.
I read 9,45,57
